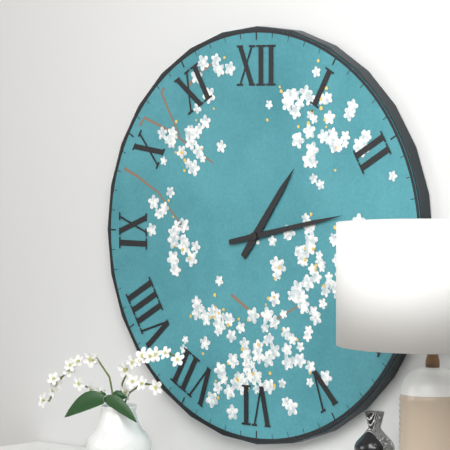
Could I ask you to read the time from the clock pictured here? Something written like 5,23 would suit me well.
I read 1,13
